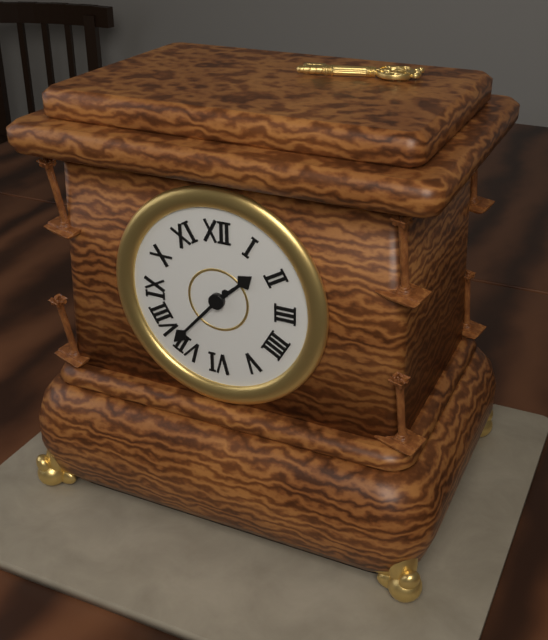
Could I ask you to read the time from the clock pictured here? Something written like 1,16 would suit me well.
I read 1,37
